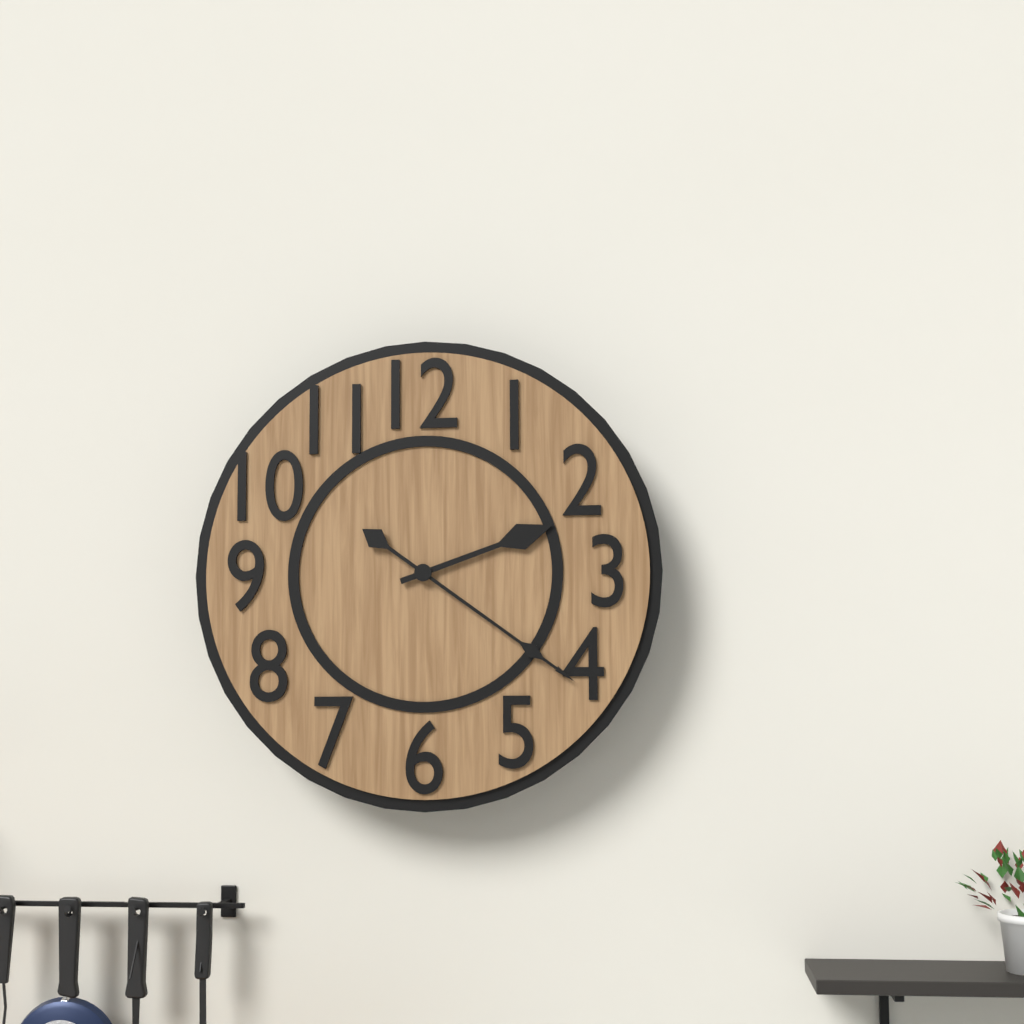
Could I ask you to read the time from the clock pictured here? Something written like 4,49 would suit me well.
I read 2,21
